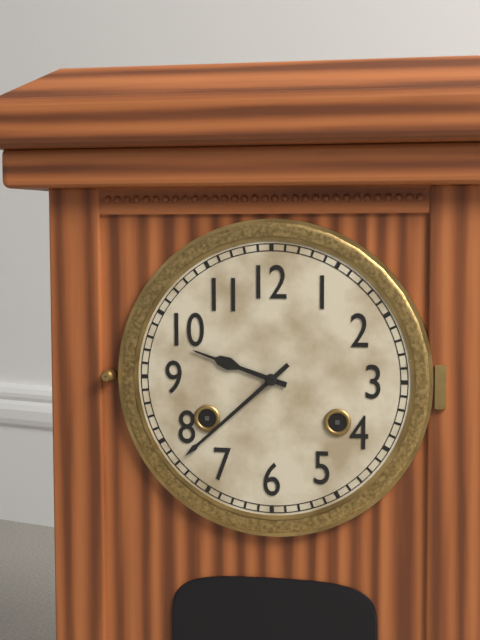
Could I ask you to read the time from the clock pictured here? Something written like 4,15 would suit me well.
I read 9,38
